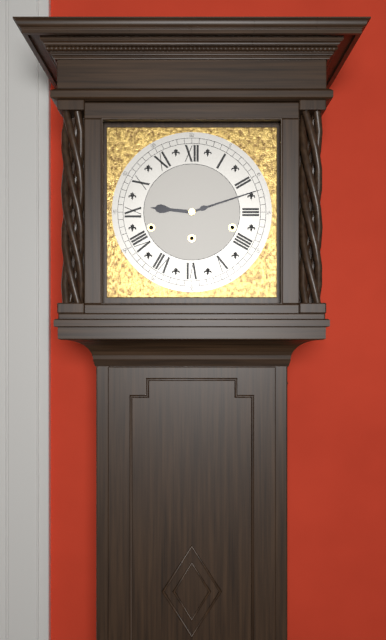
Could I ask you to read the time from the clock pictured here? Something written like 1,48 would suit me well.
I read 9,12
